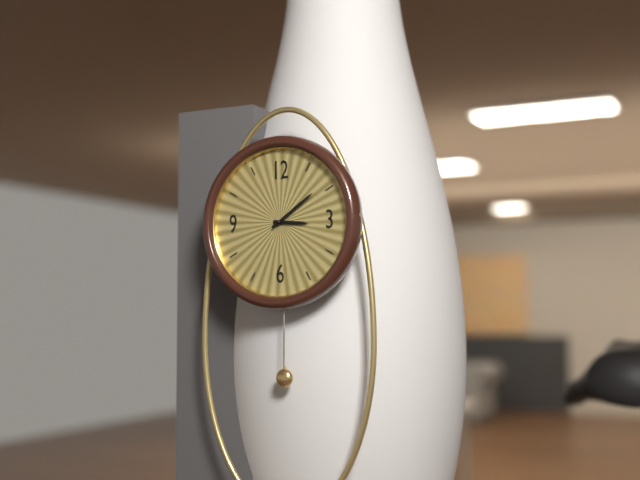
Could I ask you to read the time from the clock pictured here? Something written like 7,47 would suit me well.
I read 3,09
